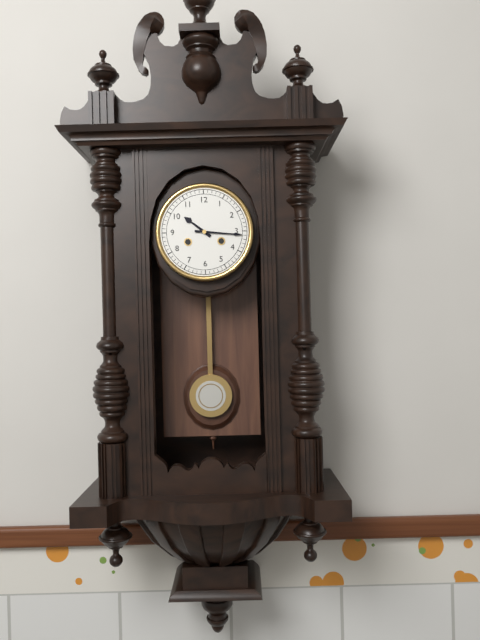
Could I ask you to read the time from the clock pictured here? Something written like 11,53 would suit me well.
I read 10,16
